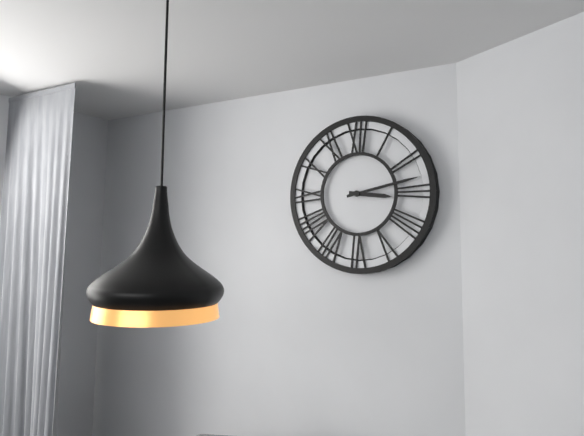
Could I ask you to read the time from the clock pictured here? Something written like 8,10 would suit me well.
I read 3,13
